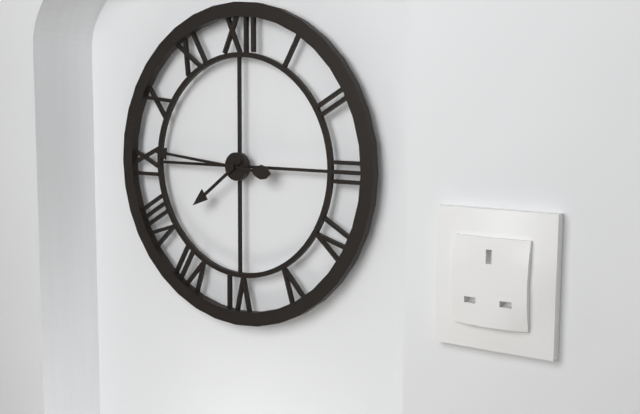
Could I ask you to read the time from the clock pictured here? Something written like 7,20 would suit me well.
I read 7,46
